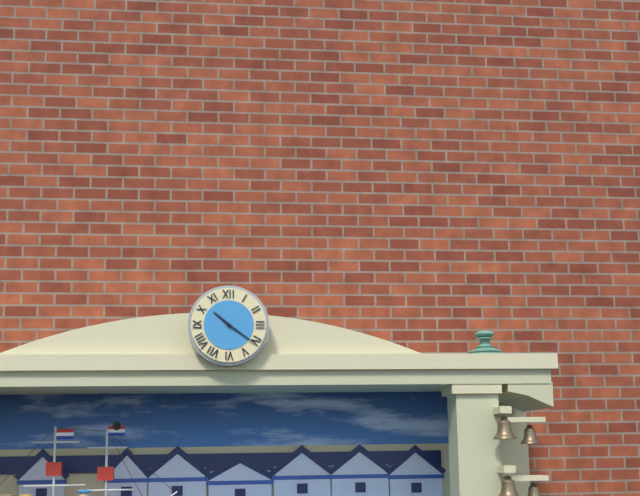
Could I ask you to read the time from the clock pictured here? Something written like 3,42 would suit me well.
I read 10,21
